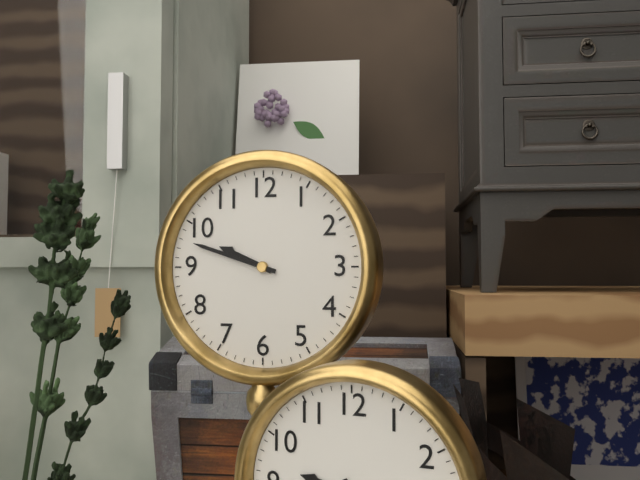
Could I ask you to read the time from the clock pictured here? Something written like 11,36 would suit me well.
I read 9,48
